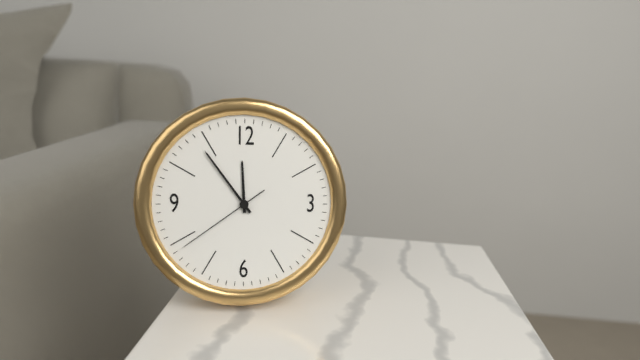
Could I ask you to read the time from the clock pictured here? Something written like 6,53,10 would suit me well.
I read 11,54,39
